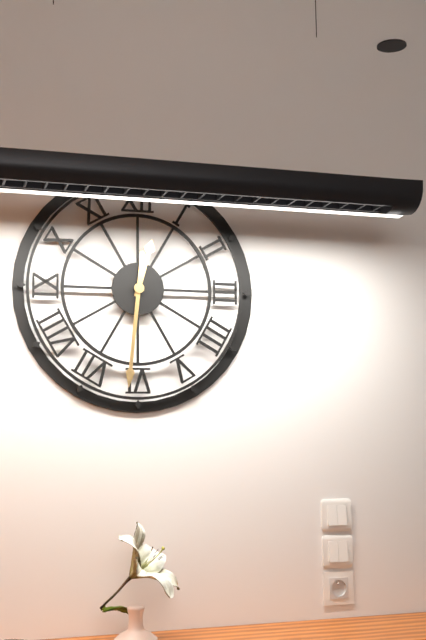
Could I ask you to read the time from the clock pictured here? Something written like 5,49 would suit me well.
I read 12,31
